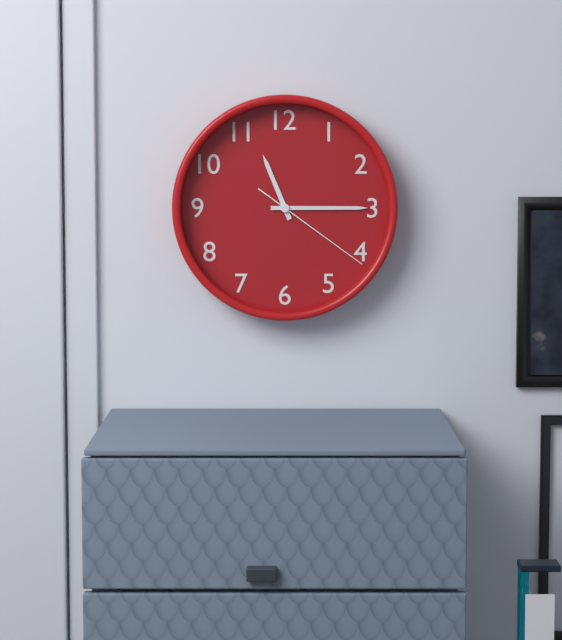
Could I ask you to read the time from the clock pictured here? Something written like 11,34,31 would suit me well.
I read 11,15,21
